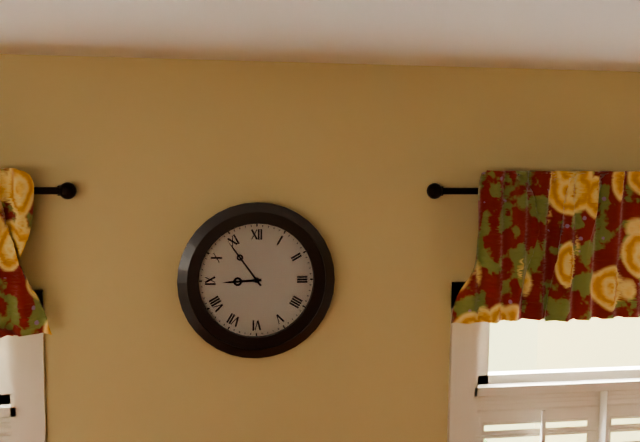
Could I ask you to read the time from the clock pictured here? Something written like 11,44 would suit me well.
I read 8,54
